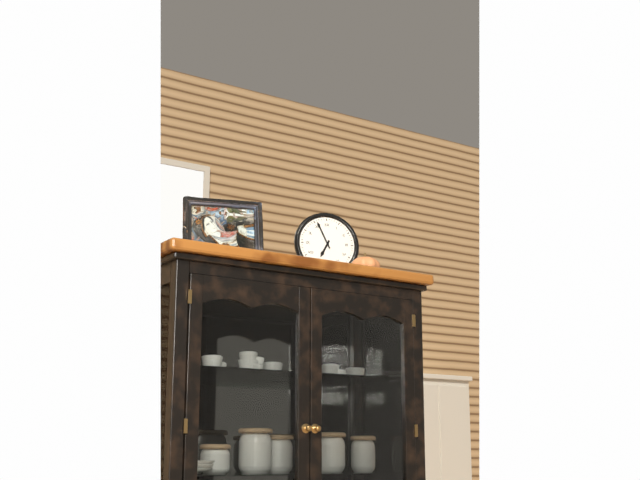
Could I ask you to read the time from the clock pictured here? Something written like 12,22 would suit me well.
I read 6,56
